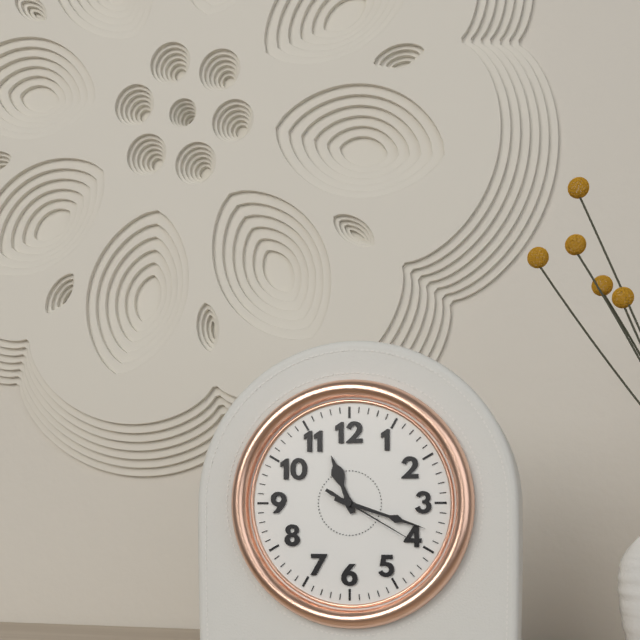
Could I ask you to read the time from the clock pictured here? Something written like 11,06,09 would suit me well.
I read 11,18,20
